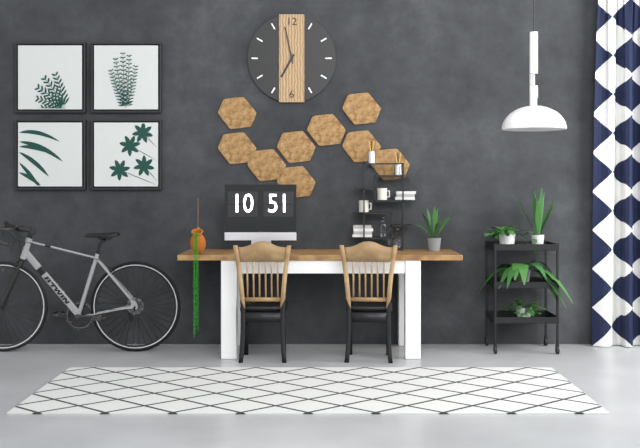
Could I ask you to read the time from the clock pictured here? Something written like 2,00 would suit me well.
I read 6,58
